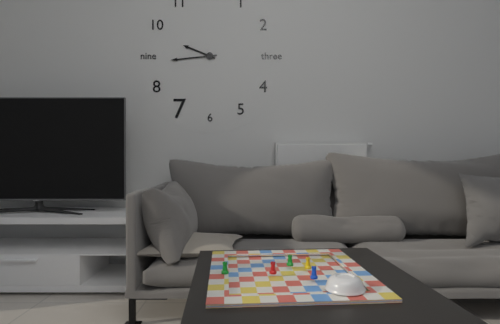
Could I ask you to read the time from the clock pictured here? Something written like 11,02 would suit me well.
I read 9,44
